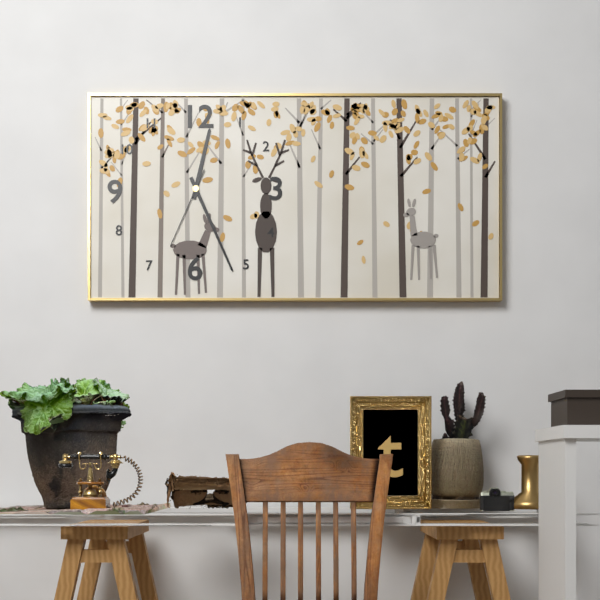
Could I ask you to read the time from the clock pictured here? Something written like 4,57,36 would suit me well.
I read 12,26,34
